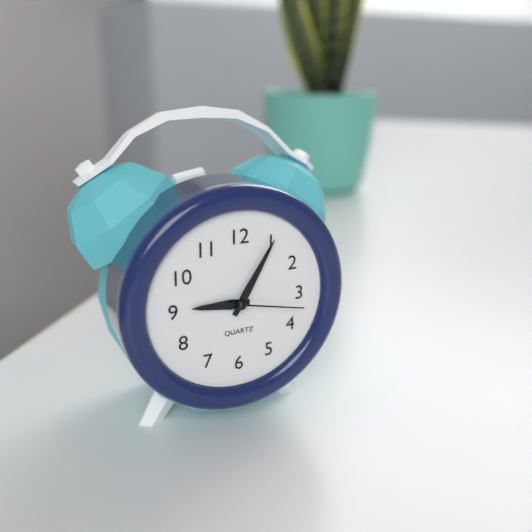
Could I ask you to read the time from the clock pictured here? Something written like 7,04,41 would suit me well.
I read 9,05,17
